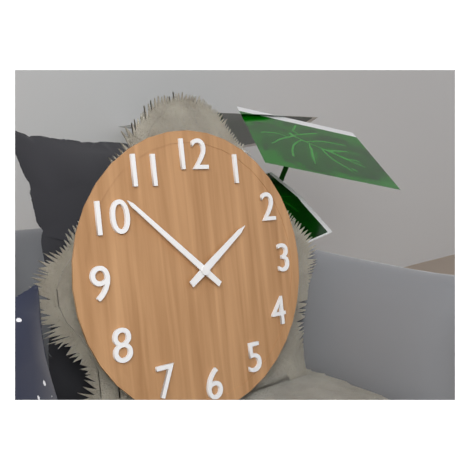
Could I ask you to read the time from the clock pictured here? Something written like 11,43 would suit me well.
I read 1,52
